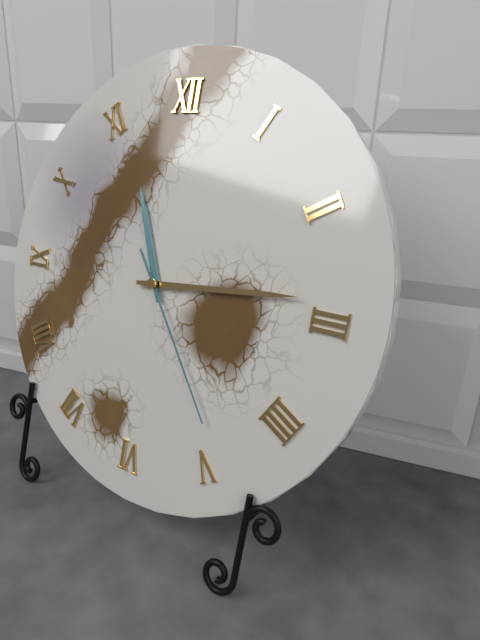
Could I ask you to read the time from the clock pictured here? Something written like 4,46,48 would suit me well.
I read 11,14,24
